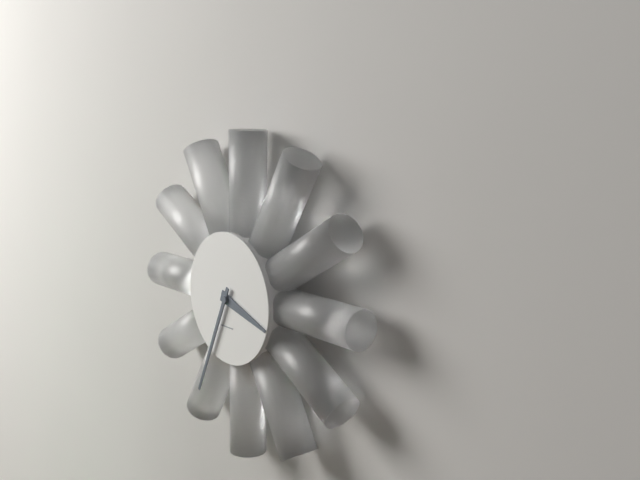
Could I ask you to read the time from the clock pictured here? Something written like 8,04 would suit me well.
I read 3,34
